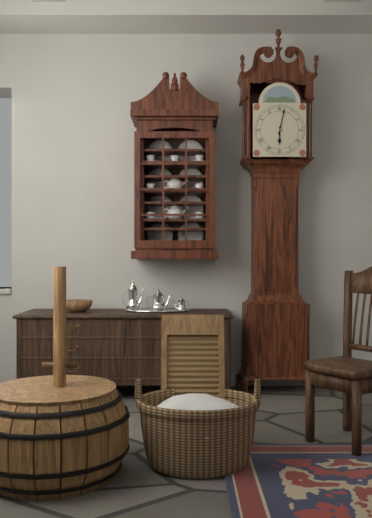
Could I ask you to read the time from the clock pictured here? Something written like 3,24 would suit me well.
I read 6,02
